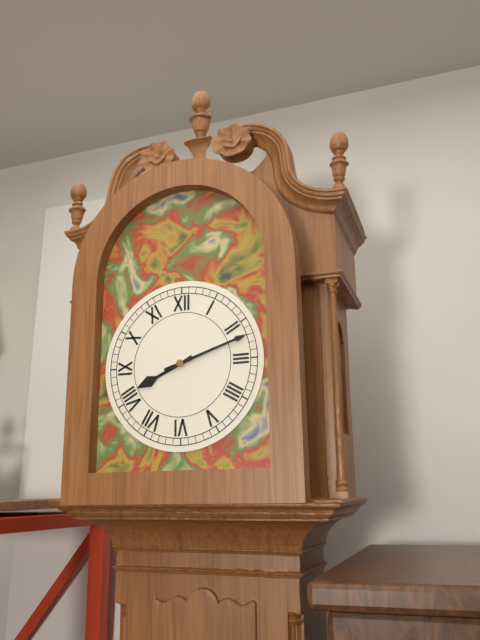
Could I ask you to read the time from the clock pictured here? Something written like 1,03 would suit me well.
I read 8,12
